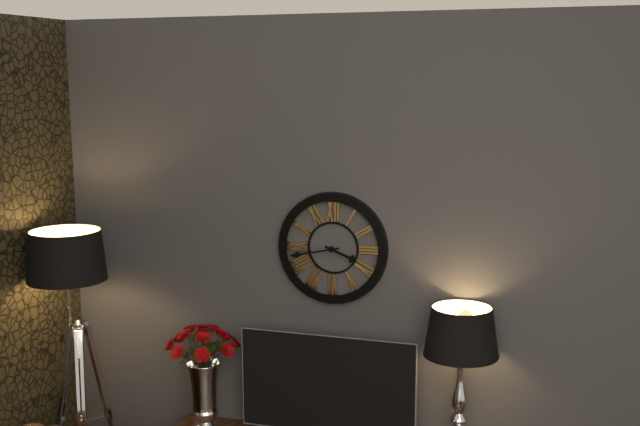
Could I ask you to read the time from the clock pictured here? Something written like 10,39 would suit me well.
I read 3,43
